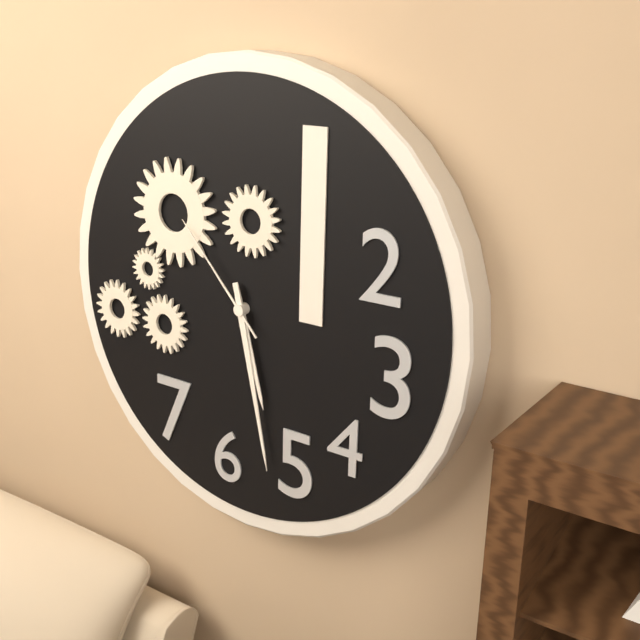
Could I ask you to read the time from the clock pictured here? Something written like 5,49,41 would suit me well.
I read 5,28,53
